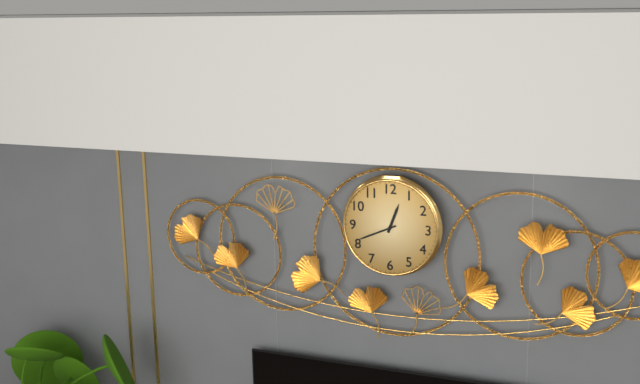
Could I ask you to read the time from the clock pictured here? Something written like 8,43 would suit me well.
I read 12,41
